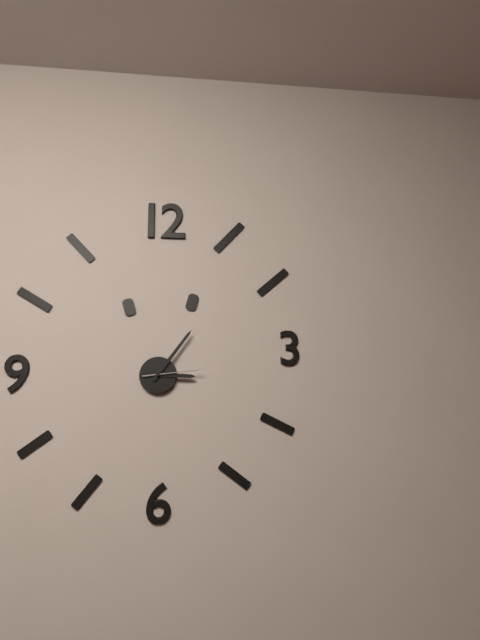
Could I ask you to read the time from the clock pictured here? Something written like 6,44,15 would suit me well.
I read 3,06,14
